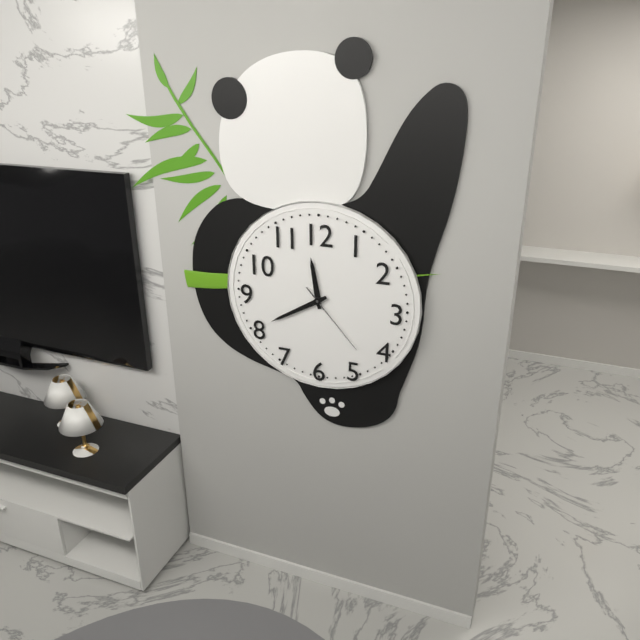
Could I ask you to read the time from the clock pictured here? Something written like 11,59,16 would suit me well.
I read 11,40,23
